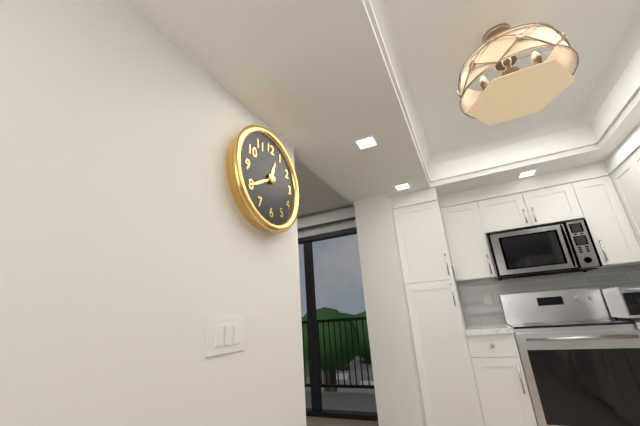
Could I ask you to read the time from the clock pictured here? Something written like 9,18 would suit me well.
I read 12,40
